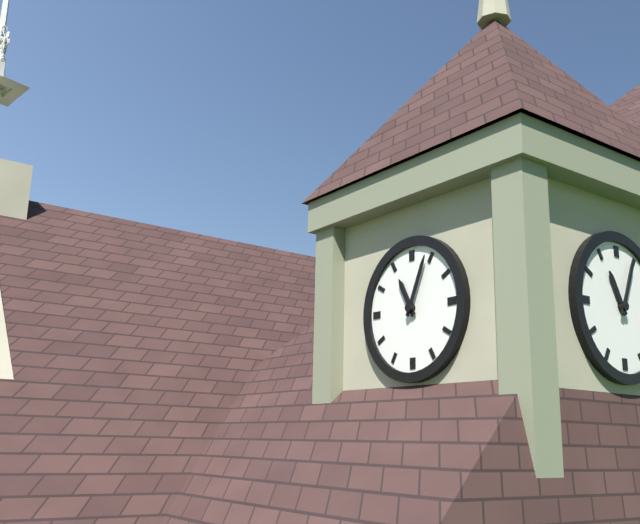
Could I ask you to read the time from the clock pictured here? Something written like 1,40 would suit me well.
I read 11,04
